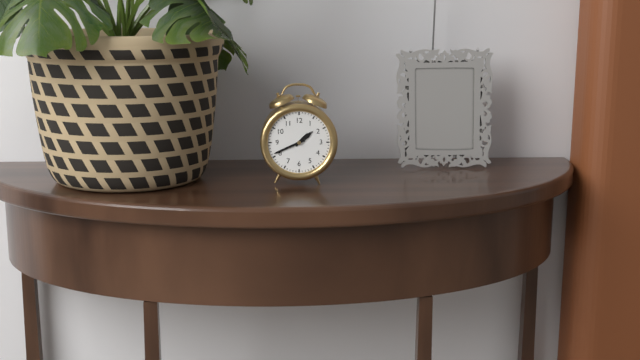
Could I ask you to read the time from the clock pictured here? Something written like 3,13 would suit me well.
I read 1,41
